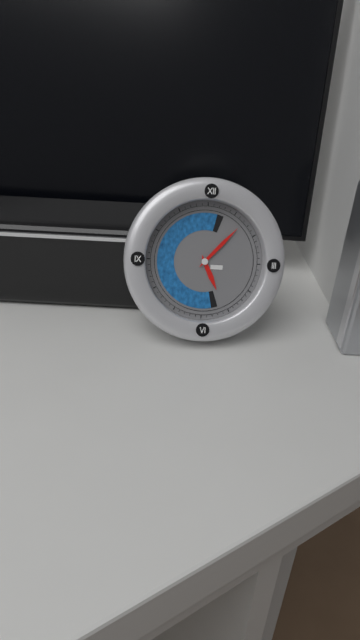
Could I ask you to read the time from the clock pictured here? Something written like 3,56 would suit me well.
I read 5,07
